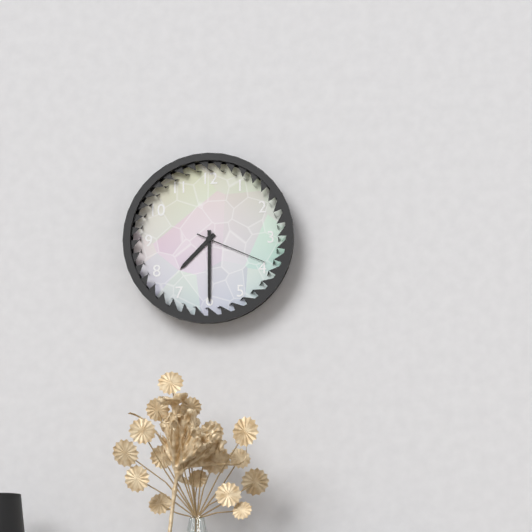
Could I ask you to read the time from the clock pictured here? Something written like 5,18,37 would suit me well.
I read 7,30,19
